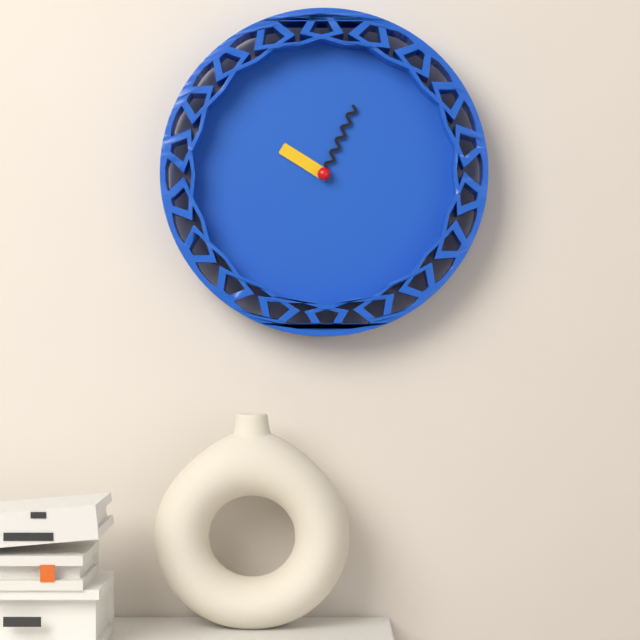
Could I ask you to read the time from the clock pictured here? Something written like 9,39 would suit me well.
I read 10,04
